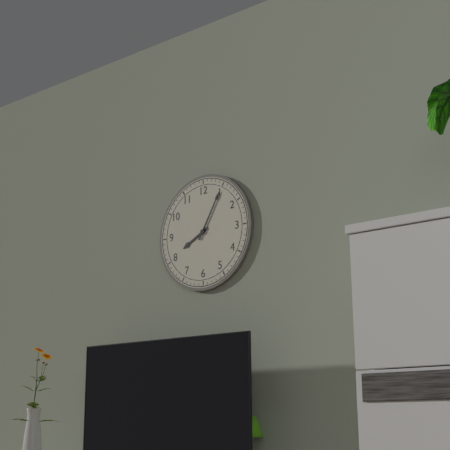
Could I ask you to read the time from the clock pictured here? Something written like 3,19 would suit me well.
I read 8,05
